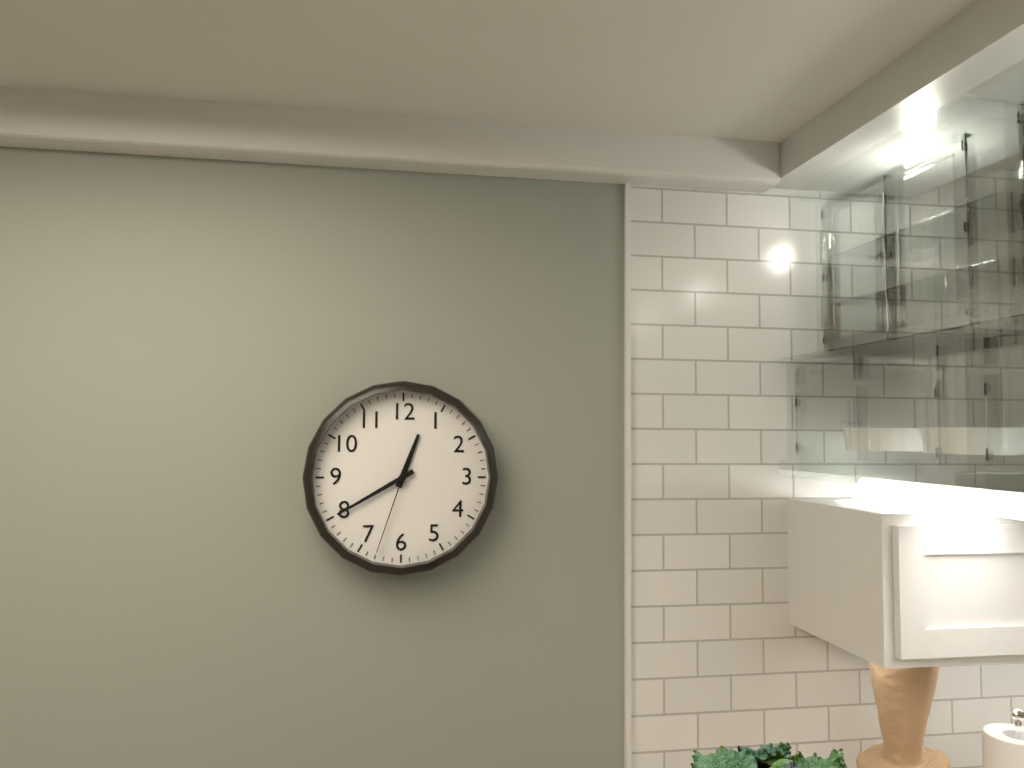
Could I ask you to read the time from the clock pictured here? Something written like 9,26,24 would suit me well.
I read 12,40,33
